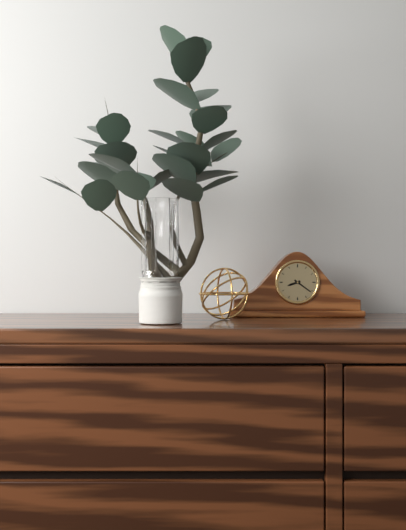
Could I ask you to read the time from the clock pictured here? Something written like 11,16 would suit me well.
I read 8,21
